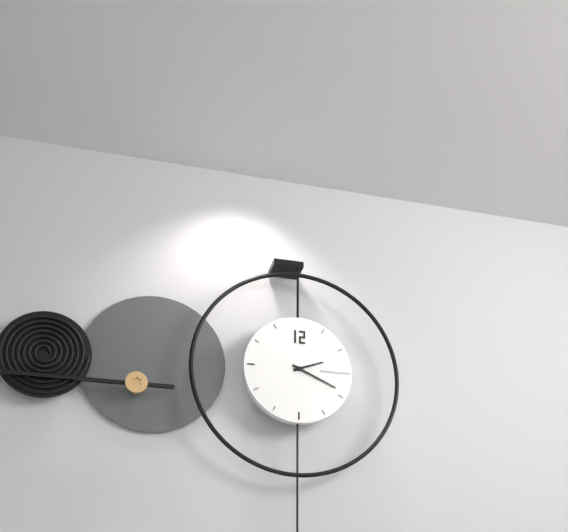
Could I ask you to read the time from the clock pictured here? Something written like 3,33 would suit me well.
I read 2,19
